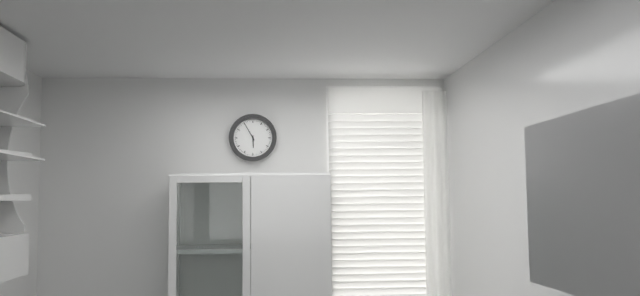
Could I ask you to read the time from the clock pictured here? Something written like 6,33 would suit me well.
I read 5,55
